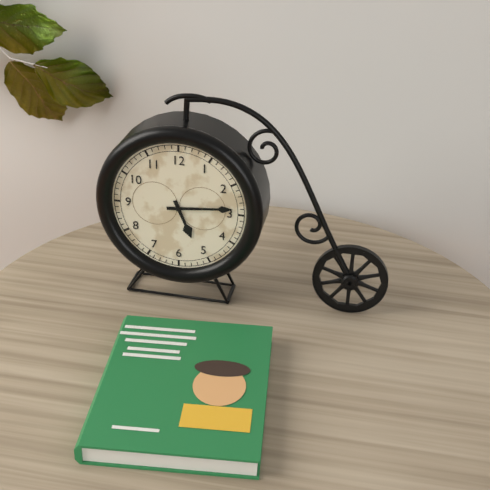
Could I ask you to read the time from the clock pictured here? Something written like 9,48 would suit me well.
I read 5,14
